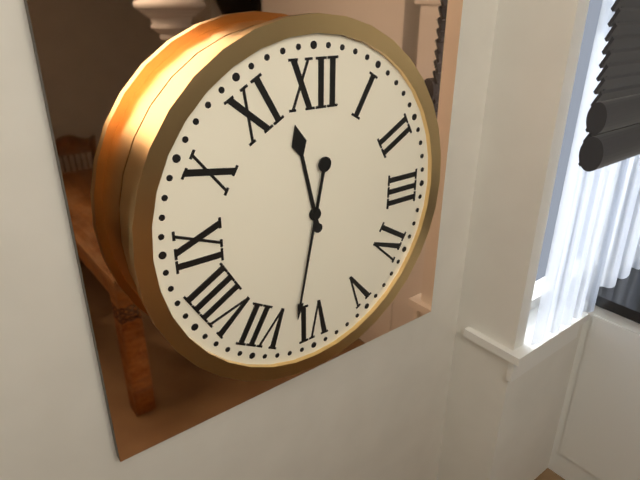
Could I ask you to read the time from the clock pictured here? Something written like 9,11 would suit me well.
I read 11,32
